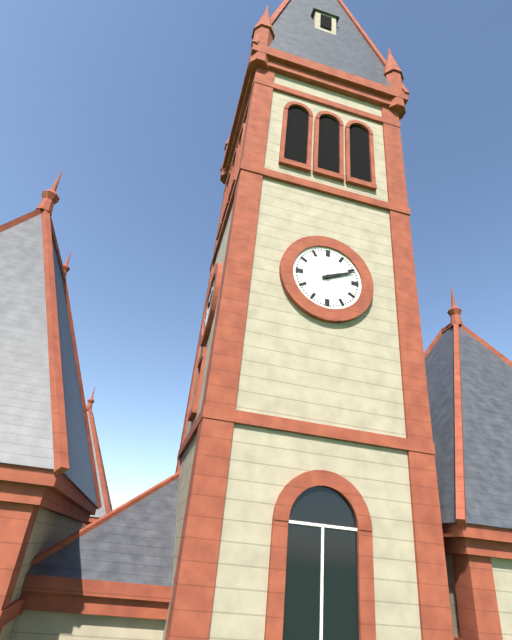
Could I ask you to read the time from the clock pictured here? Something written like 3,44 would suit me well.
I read 2,11
